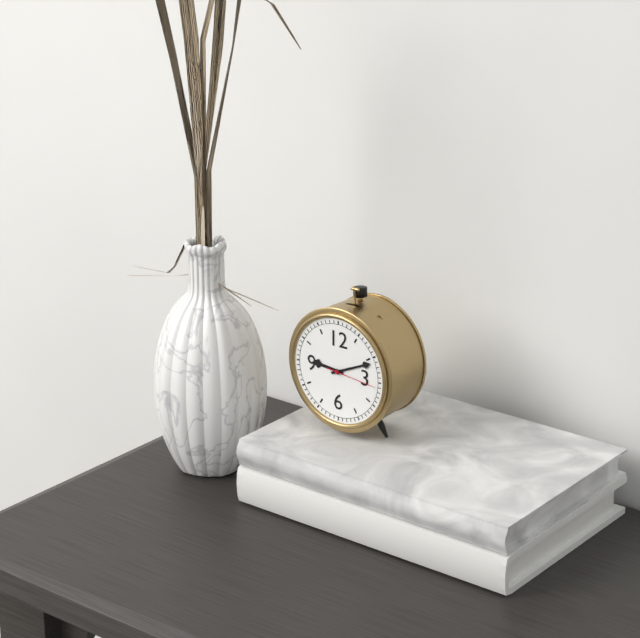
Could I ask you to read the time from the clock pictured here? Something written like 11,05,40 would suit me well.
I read 9,11,16
